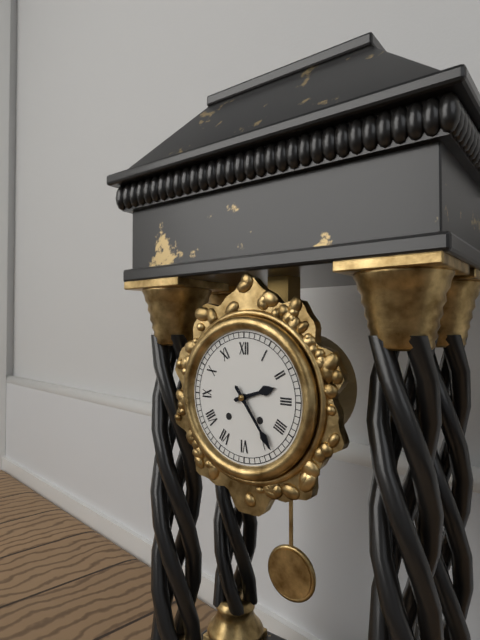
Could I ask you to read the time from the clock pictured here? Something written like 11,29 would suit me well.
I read 2,24
